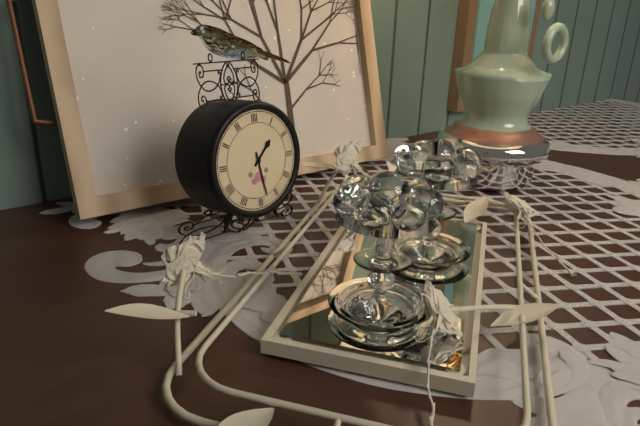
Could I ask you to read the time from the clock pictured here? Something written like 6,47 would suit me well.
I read 1,28
